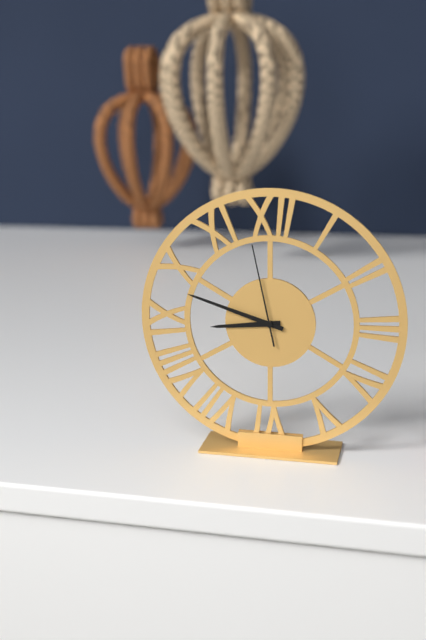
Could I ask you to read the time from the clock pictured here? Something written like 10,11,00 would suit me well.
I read 8,48,58
